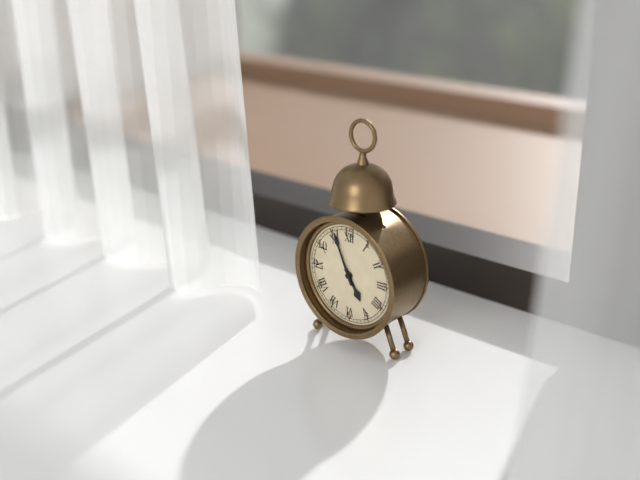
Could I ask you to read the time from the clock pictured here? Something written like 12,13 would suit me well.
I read 4,56
